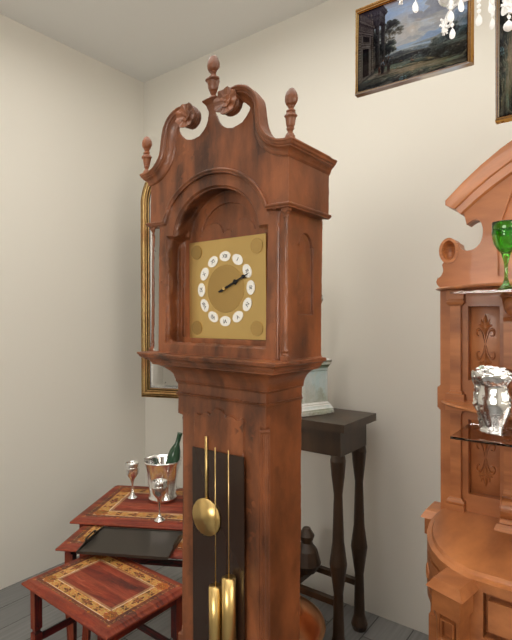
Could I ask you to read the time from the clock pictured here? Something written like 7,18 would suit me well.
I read 2,11
